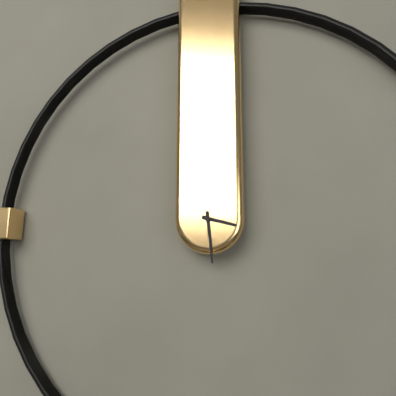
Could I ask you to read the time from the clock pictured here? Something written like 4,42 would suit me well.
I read 3,29
